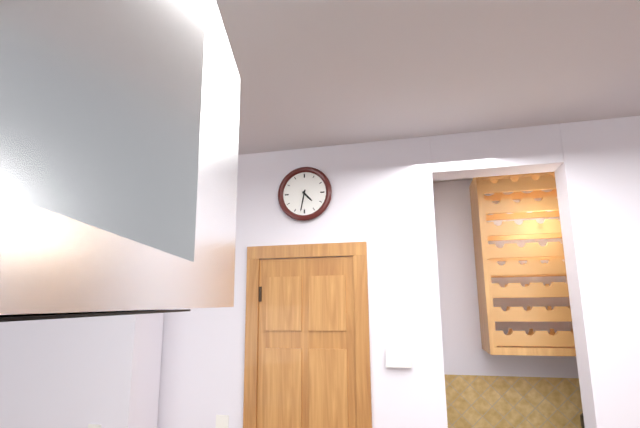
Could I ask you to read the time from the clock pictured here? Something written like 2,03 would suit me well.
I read 4,32
